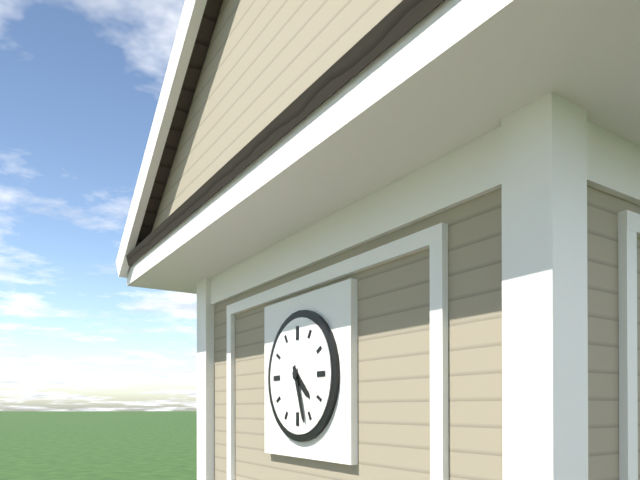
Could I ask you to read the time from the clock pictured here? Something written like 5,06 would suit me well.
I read 4,27
